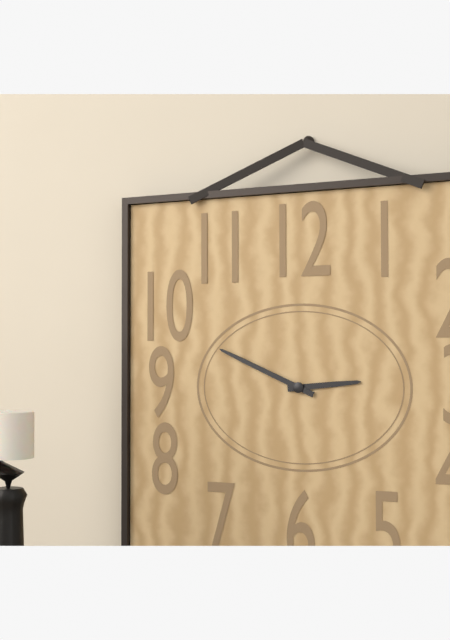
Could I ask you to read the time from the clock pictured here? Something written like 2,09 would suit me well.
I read 2,49
